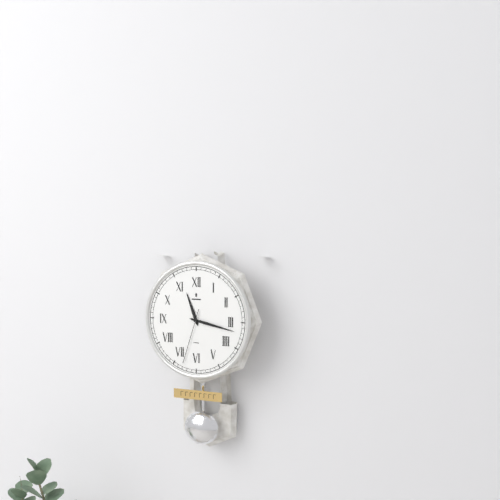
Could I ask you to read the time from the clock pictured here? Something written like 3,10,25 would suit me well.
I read 11,17,33
